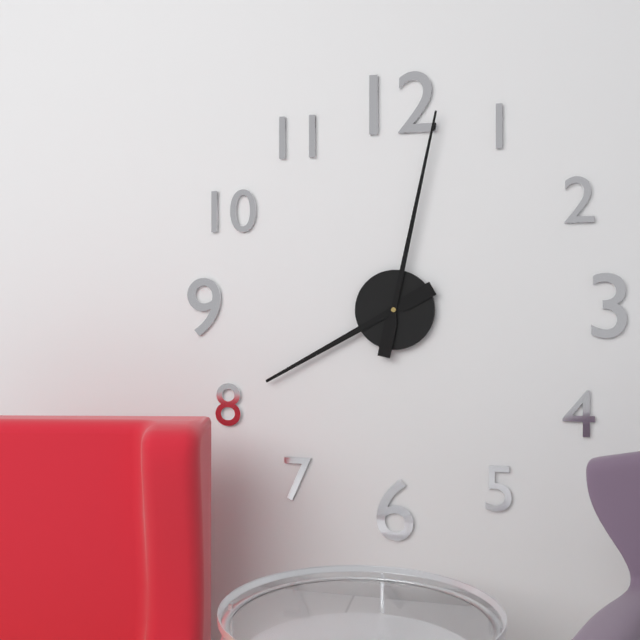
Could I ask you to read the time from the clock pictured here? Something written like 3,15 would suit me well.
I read 8,02
